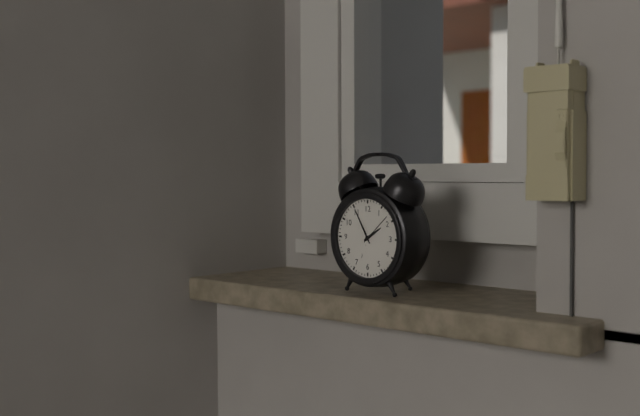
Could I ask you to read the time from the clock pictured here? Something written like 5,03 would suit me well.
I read 1,55
